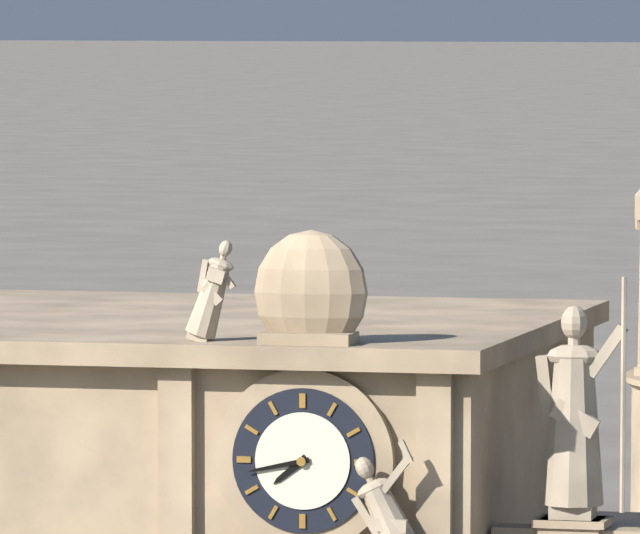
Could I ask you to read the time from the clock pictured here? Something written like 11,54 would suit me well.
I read 7,43
